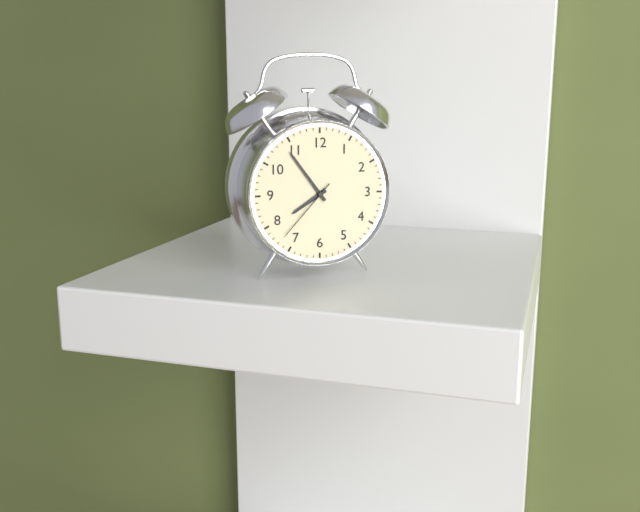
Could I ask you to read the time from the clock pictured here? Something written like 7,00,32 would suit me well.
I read 7,54,37
